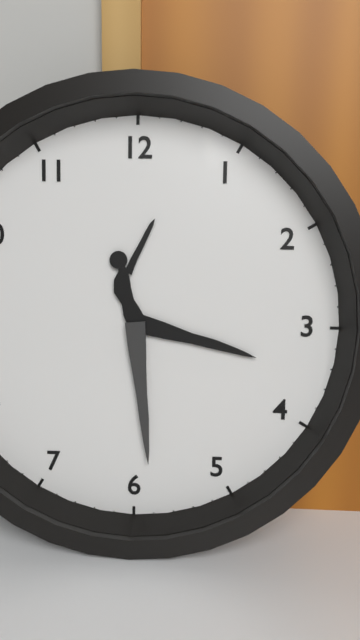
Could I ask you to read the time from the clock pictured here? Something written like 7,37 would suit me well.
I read 3,29
